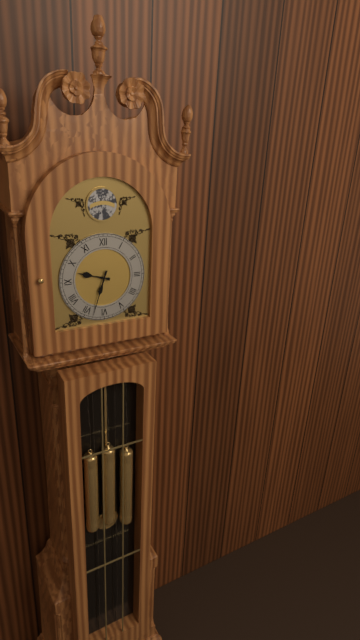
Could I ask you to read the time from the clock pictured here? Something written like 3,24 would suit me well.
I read 9,33
